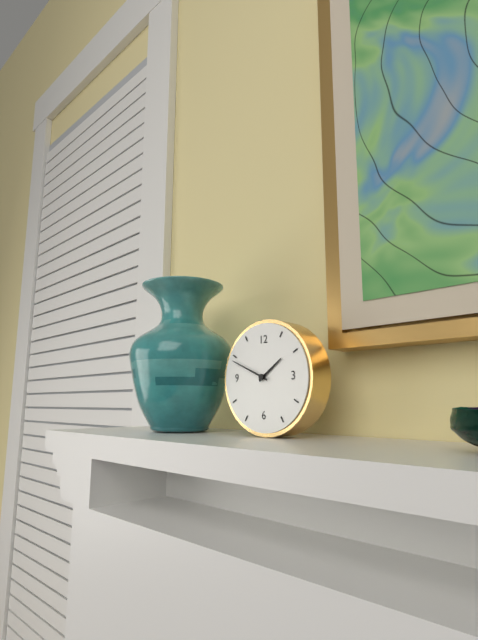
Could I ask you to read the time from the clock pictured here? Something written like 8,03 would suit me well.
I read 1,49
